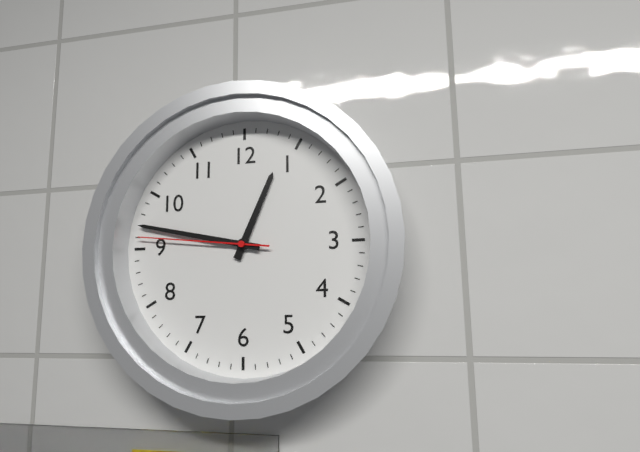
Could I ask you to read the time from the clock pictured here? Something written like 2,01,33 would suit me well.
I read 12,47,46
